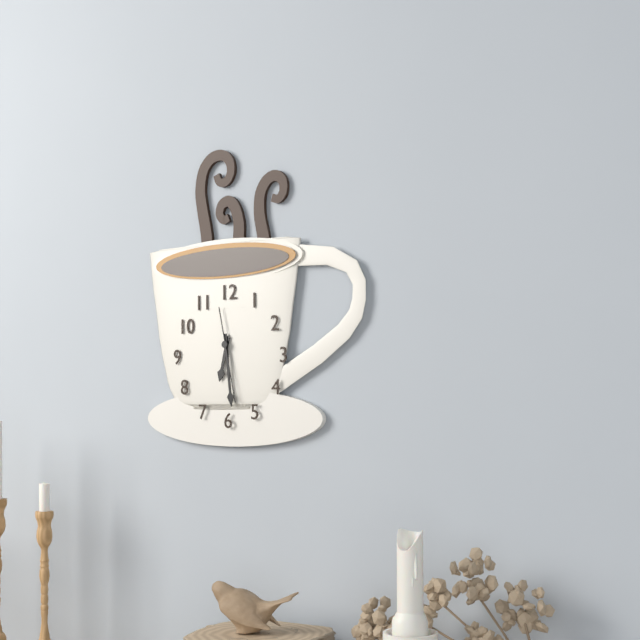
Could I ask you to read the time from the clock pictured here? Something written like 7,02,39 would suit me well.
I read 6,29,28
